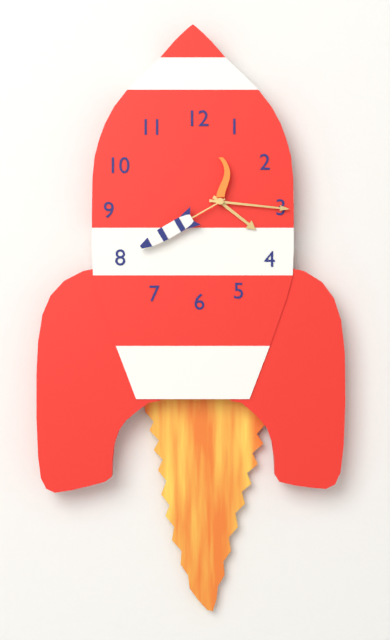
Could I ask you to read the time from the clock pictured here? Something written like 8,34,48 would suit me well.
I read 4,16,40
